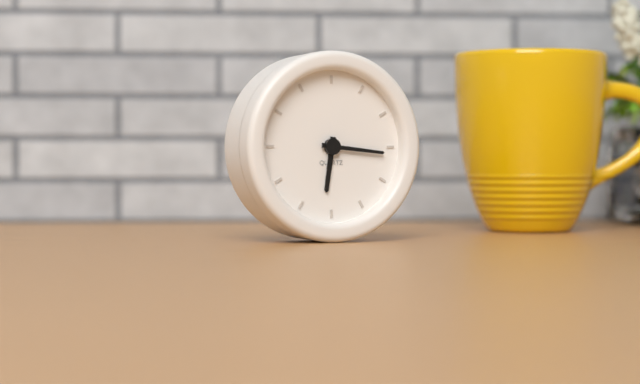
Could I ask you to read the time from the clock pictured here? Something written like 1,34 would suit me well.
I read 6,16
